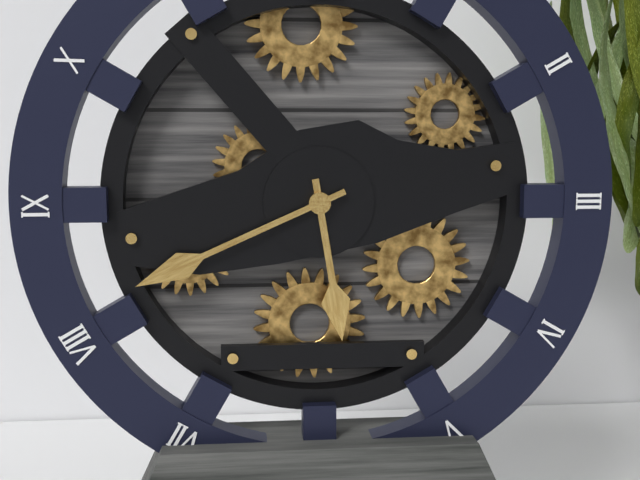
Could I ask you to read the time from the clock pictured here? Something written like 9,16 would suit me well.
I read 5,41
